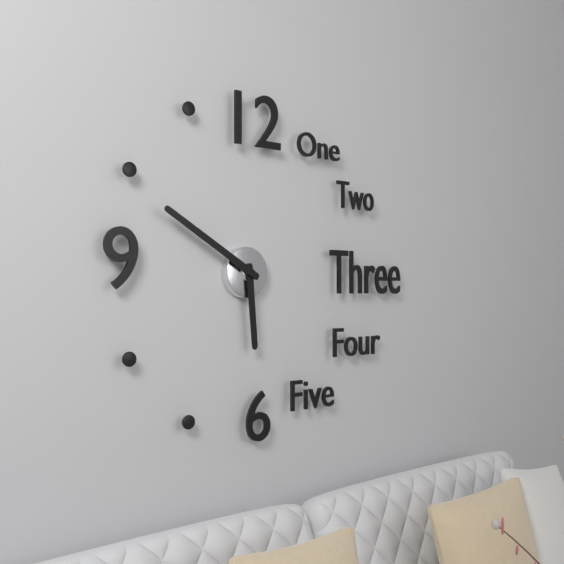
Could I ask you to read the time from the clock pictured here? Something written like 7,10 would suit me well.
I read 5,50
